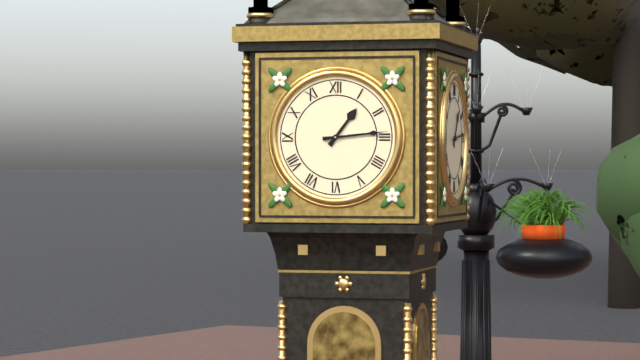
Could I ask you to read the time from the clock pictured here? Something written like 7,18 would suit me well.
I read 1,14
